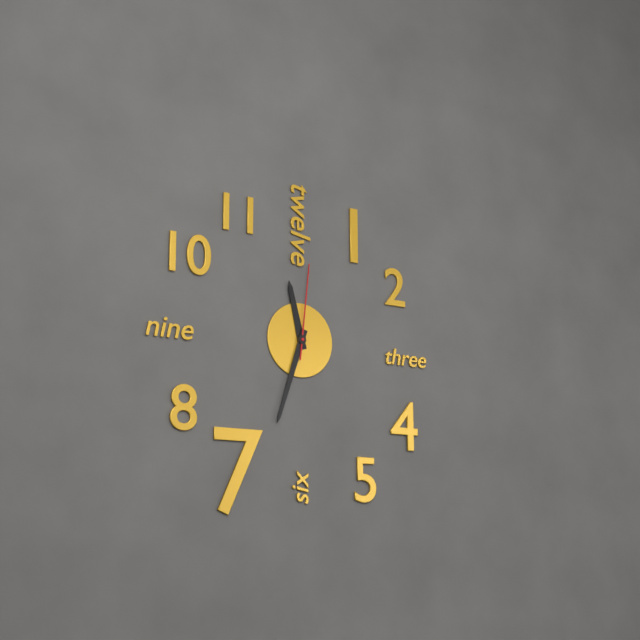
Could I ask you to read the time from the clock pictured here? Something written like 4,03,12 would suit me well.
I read 11,33,01
